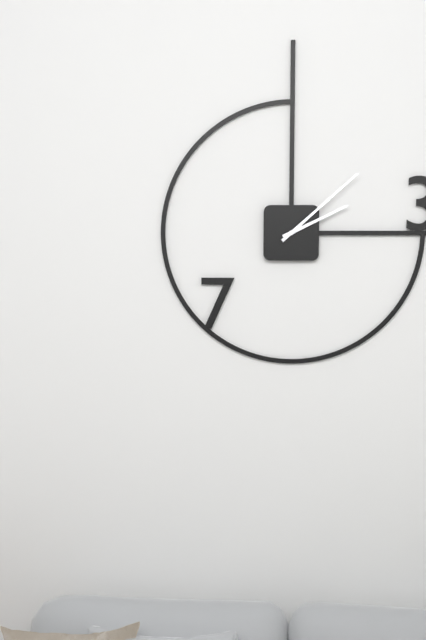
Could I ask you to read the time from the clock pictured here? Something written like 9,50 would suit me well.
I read 2,08
